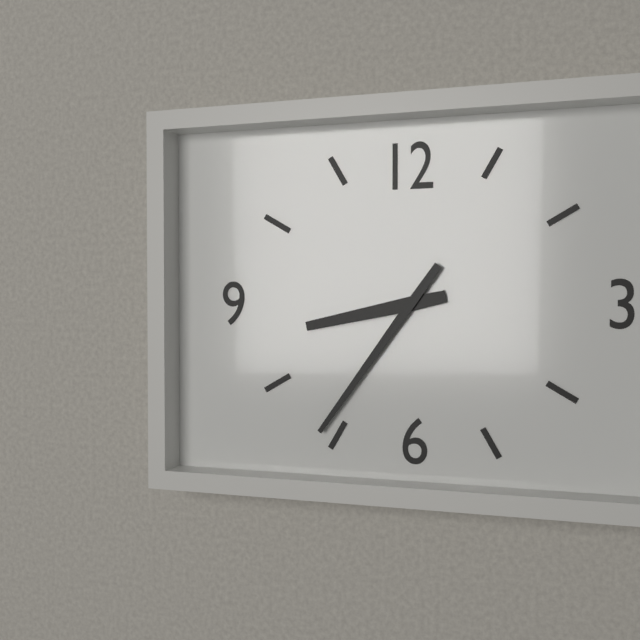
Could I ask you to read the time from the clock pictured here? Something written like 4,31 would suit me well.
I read 8,36
